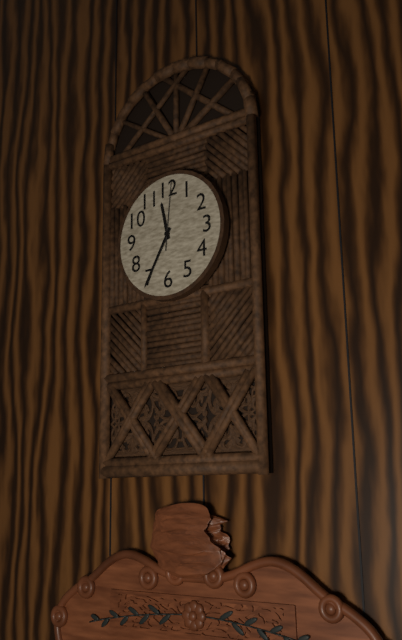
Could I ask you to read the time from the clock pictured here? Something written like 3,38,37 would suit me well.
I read 11,35,01
